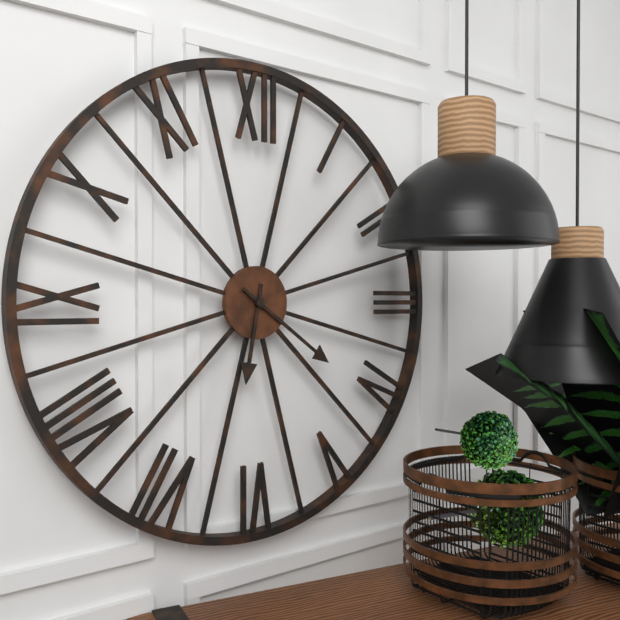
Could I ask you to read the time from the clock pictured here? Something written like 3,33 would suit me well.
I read 6,21
